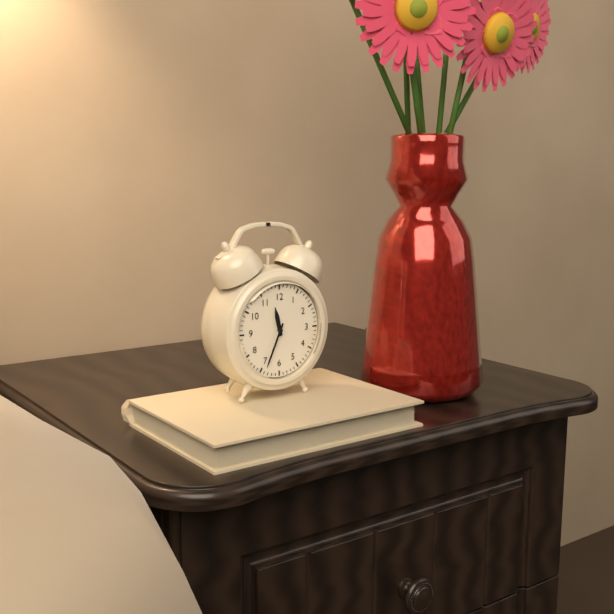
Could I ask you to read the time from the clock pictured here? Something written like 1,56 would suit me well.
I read 11,34
